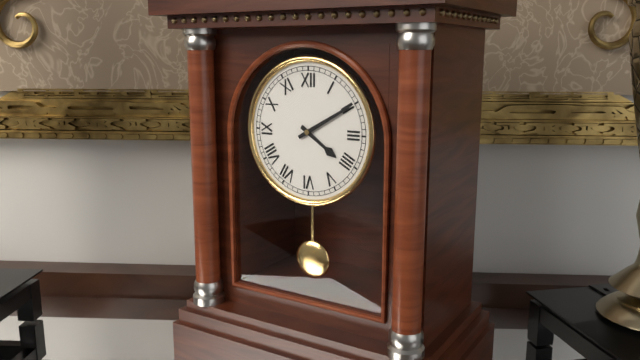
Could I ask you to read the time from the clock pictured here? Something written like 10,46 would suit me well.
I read 4,10
